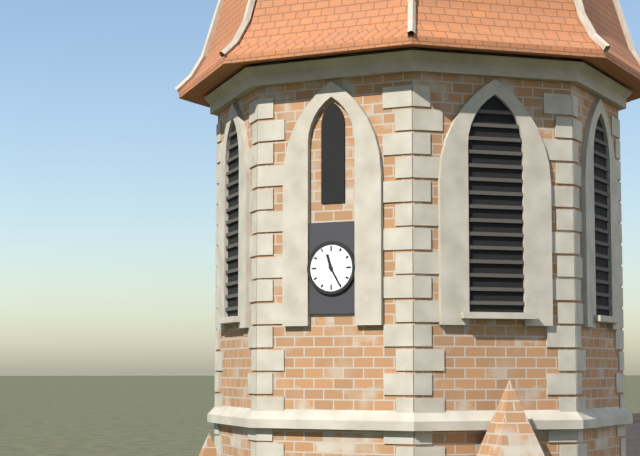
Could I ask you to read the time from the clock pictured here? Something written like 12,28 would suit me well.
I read 11,25
